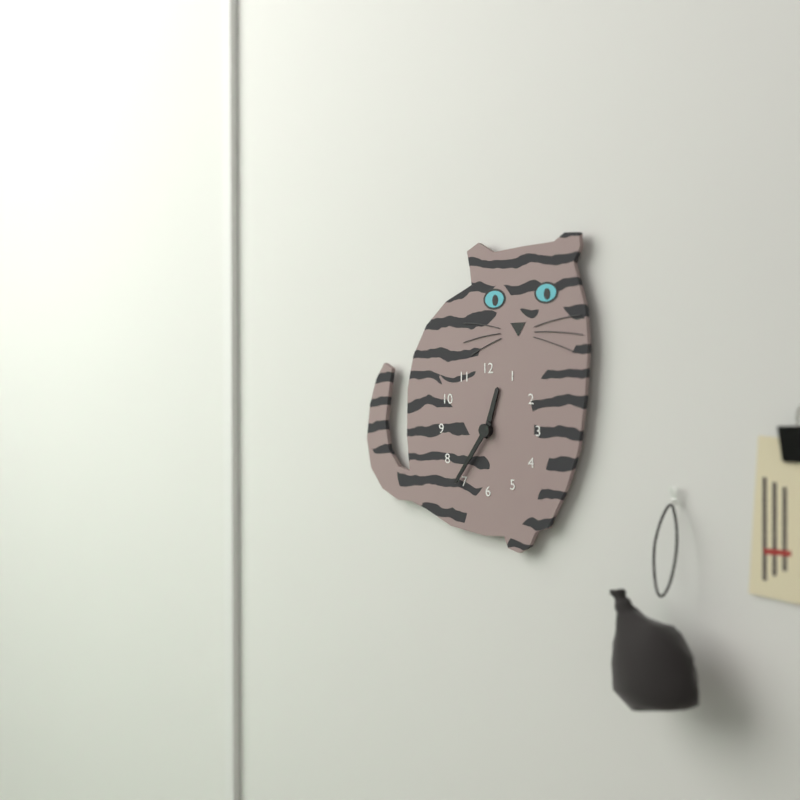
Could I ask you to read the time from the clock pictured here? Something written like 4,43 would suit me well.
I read 12,36
